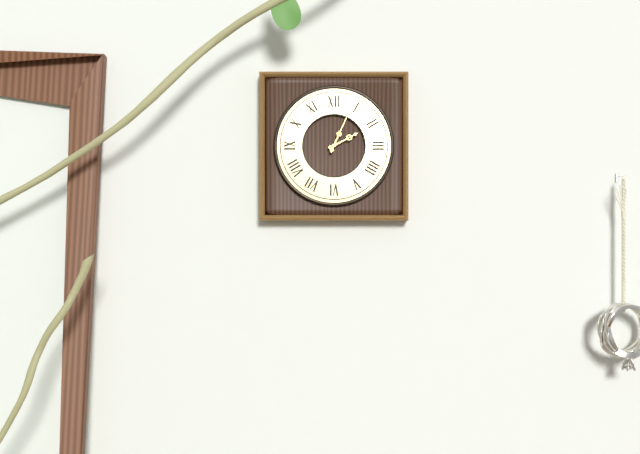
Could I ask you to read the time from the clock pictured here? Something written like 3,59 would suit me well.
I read 2,04
